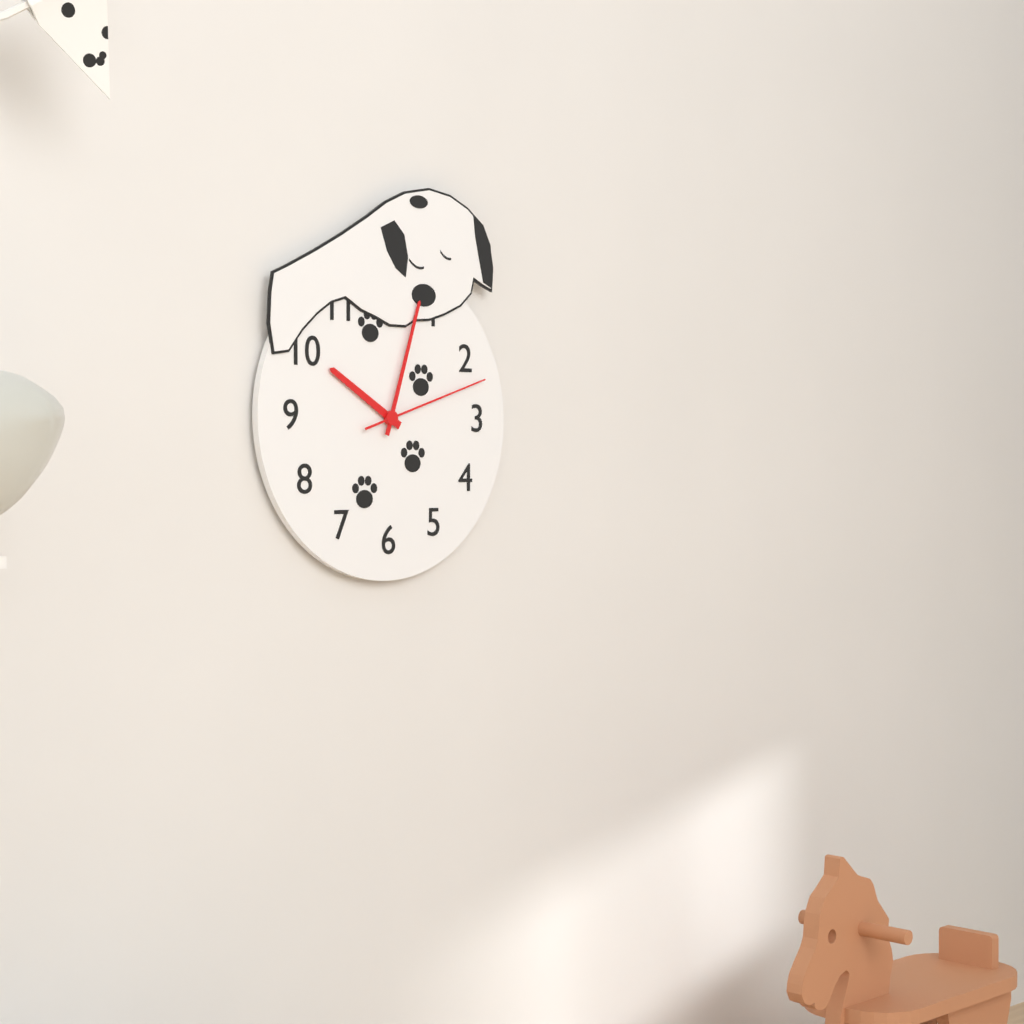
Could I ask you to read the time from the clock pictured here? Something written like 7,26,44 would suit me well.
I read 10,03,12
